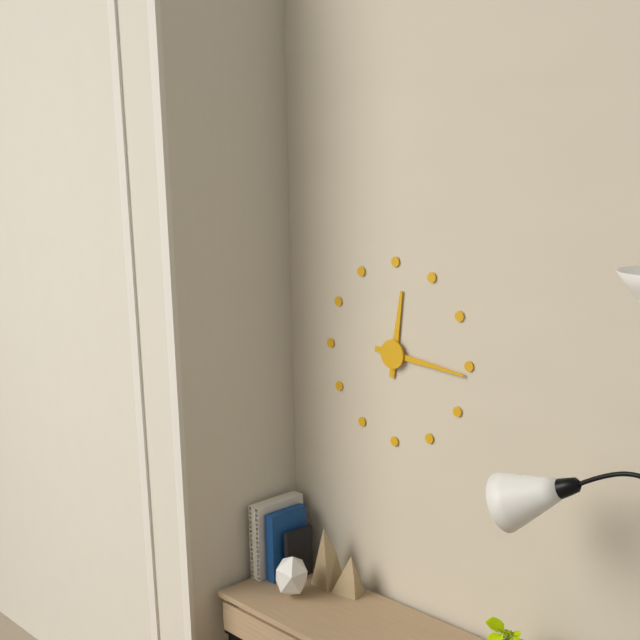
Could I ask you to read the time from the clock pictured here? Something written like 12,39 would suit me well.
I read 12,16
